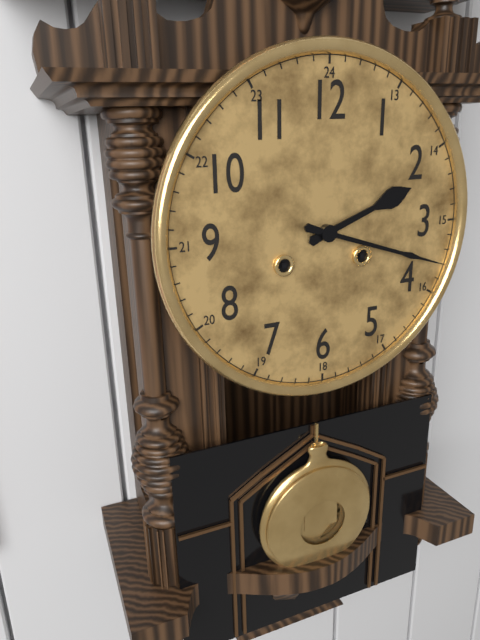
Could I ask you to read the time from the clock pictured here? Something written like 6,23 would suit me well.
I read 2,18
